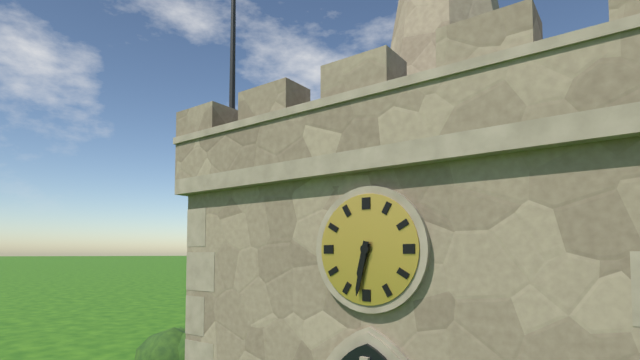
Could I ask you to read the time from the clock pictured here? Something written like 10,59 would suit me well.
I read 6,32
